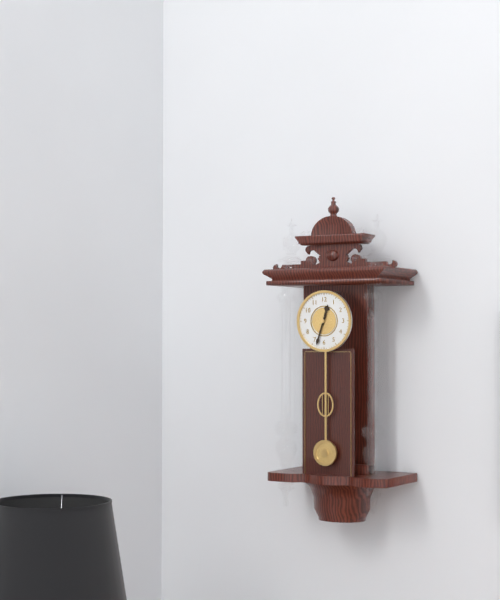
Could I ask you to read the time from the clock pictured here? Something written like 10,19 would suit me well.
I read 12,33
